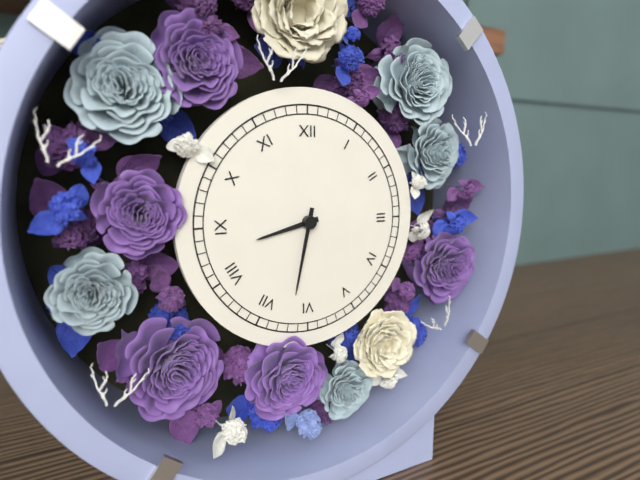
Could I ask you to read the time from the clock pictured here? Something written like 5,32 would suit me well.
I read 8,32
